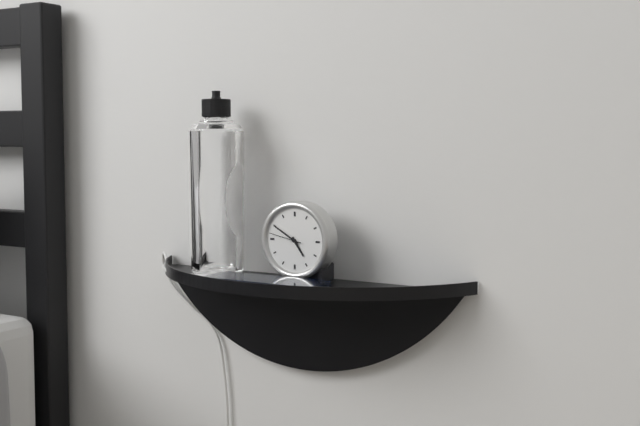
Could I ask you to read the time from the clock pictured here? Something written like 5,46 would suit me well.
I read 4,50
